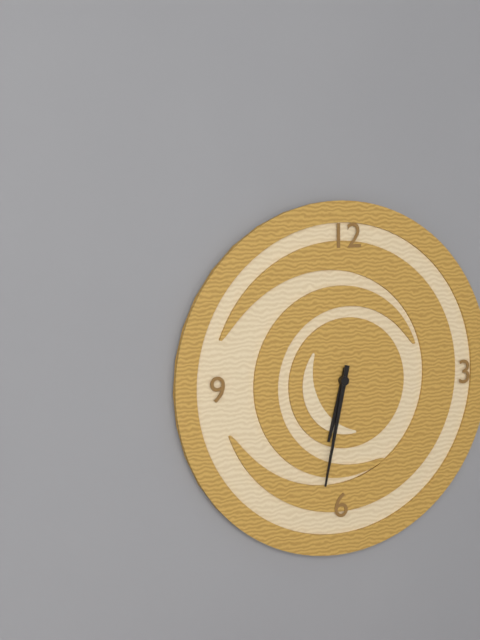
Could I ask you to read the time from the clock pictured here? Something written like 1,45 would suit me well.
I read 6,32
